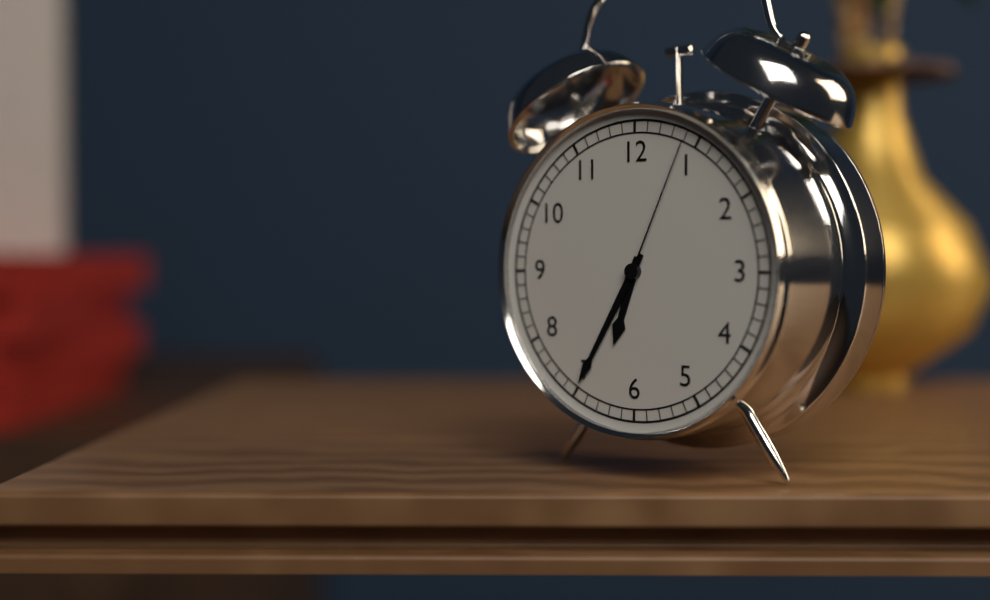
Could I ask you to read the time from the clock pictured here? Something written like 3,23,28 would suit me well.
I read 6,35,04
